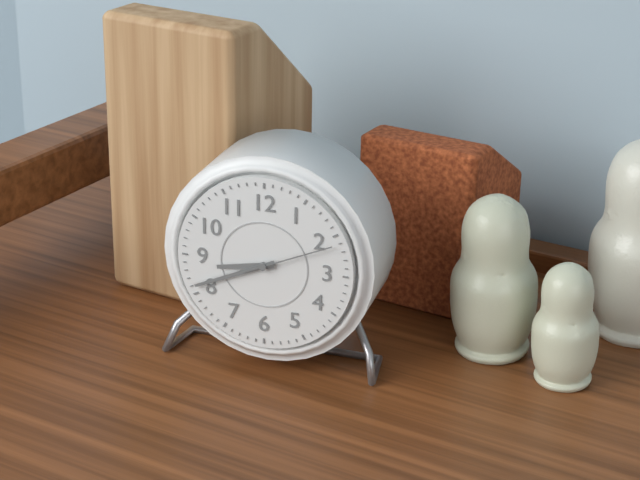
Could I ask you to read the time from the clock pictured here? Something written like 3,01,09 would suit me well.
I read 8,41,11
